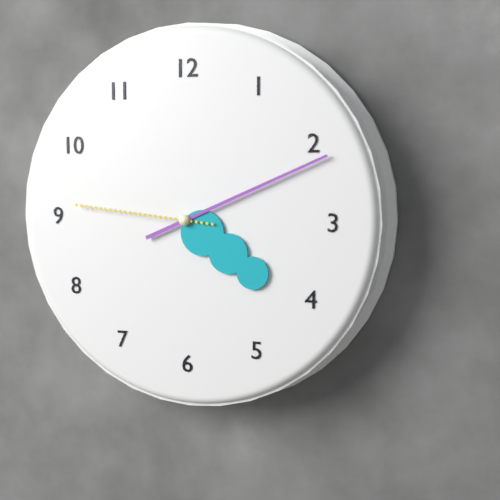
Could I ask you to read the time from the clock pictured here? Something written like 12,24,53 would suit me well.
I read 4,11,46
